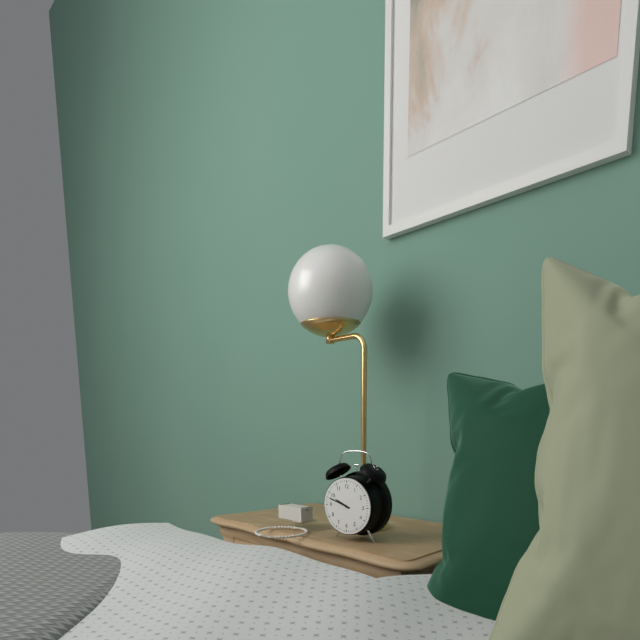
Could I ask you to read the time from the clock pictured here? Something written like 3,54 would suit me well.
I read 9,48
